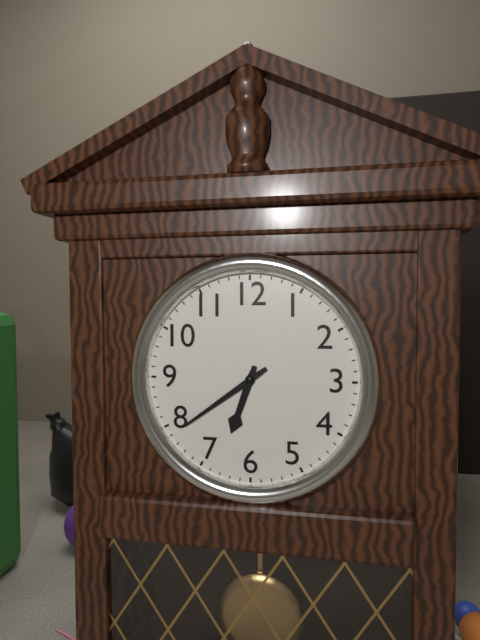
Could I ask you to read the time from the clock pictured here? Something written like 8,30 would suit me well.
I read 6,39
